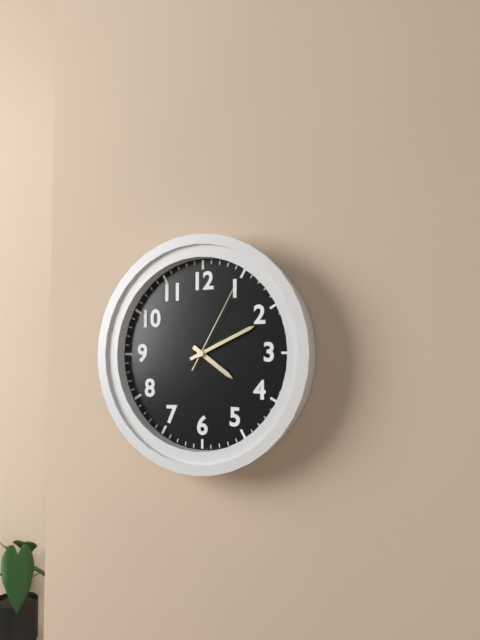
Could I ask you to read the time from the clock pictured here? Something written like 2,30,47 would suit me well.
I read 4,11,05
